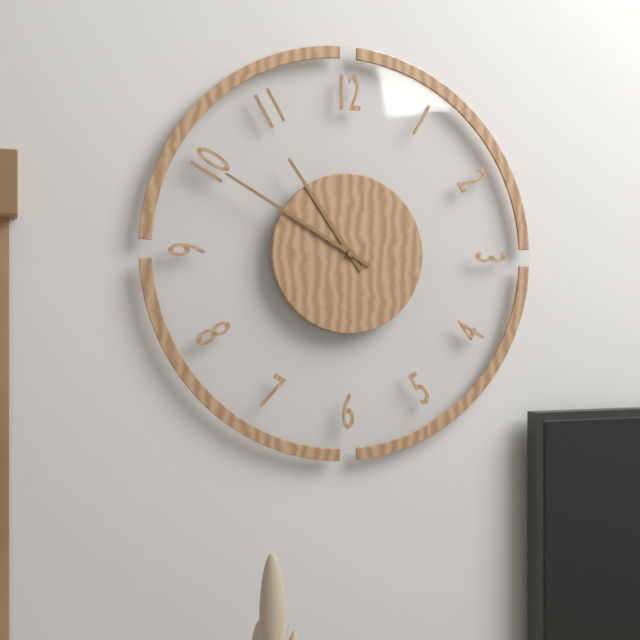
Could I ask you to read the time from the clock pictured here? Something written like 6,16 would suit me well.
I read 10,50
